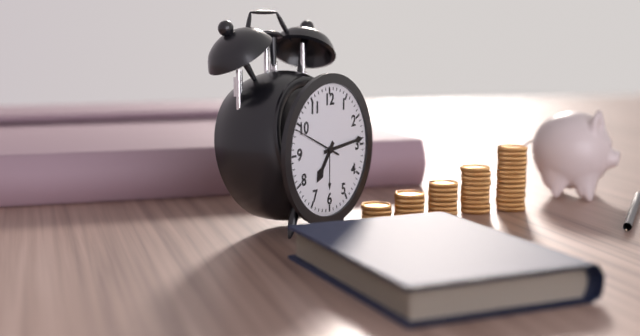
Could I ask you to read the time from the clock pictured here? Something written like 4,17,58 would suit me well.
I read 7,14,49
